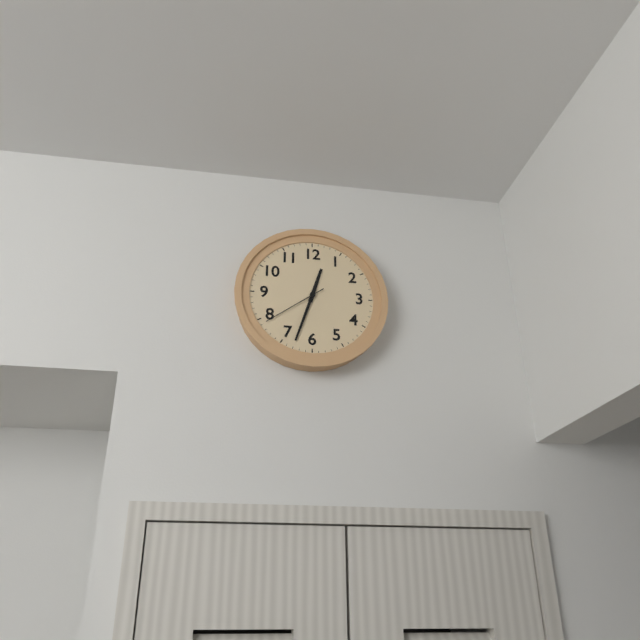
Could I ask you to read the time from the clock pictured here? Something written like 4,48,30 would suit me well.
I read 12,33,39
